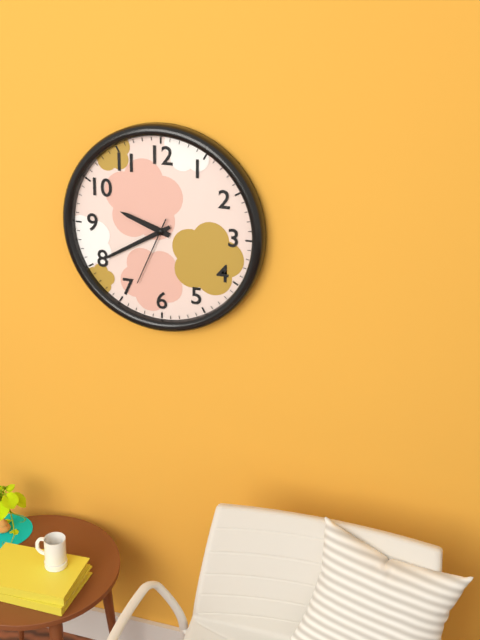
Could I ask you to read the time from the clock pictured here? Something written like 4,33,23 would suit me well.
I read 9,40,34
